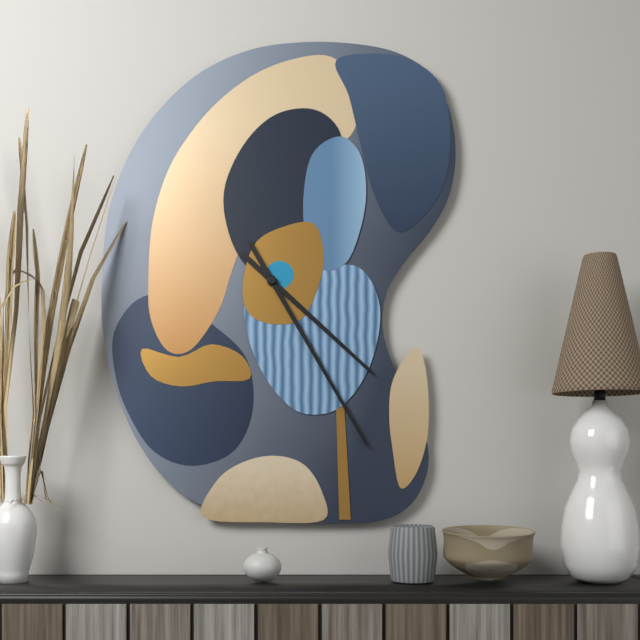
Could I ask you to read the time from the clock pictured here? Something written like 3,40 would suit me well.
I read 4,25
